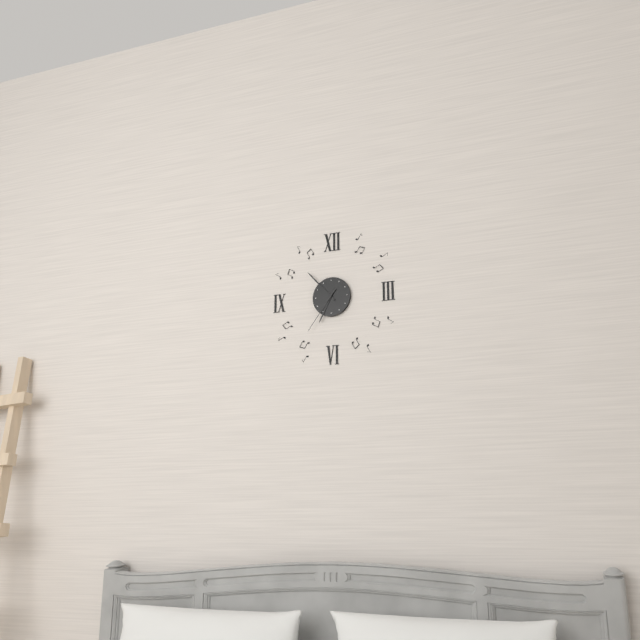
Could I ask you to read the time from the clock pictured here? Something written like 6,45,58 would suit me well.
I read 6,53,36
